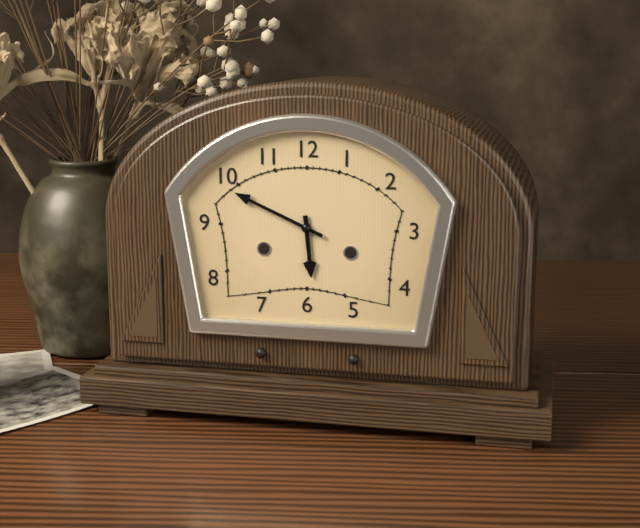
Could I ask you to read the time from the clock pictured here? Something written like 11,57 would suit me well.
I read 5,49
